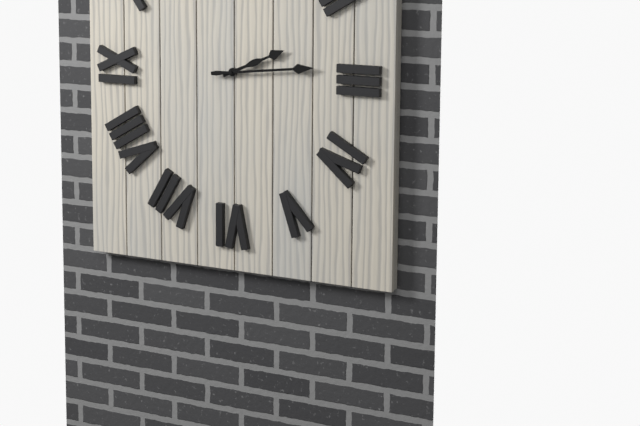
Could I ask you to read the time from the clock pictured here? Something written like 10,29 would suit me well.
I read 2,14
